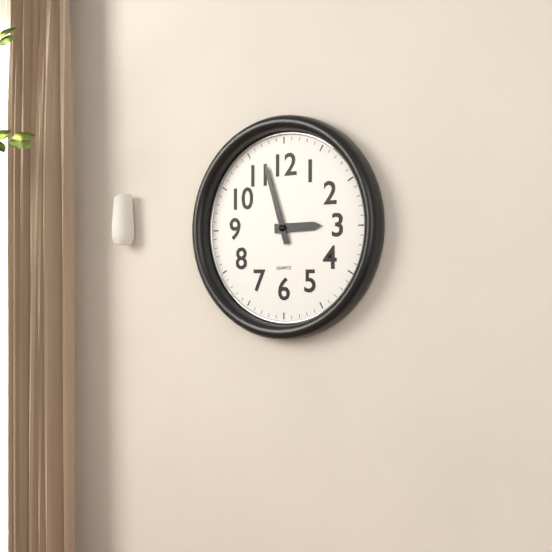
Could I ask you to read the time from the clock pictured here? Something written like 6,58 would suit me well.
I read 2,57
